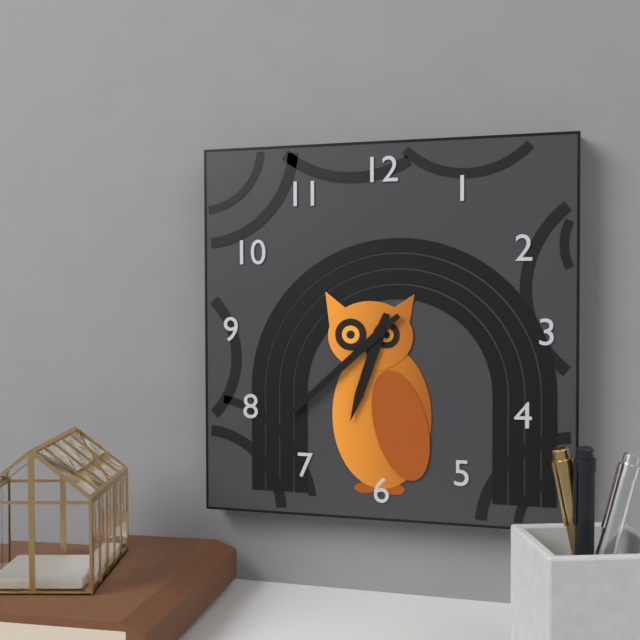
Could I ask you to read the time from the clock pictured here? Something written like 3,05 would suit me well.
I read 6,38
